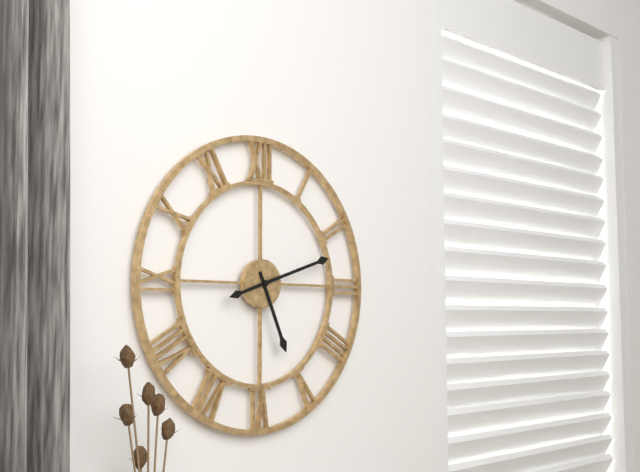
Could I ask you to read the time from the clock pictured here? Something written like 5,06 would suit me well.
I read 5,12
